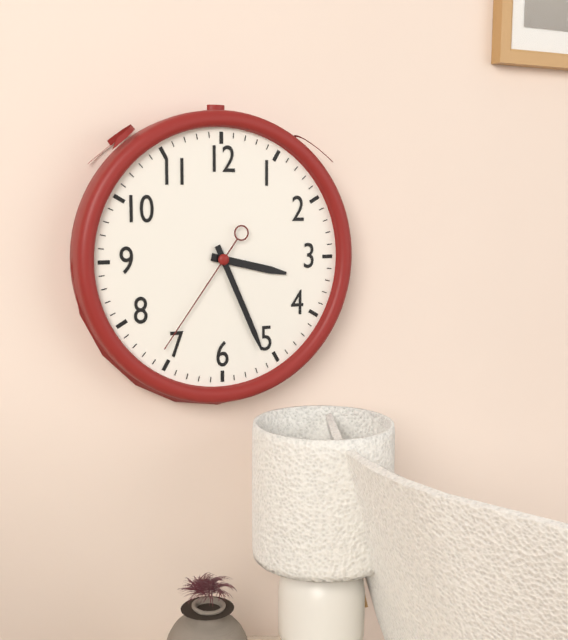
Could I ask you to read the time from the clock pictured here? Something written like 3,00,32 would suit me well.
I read 3,26,36
